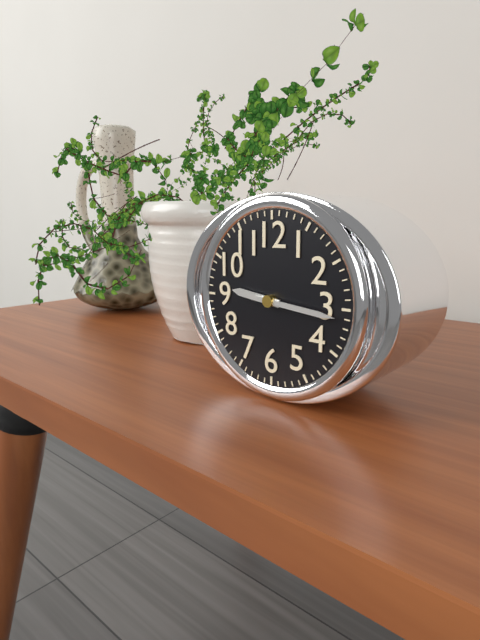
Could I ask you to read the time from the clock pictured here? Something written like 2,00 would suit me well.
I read 9,16
